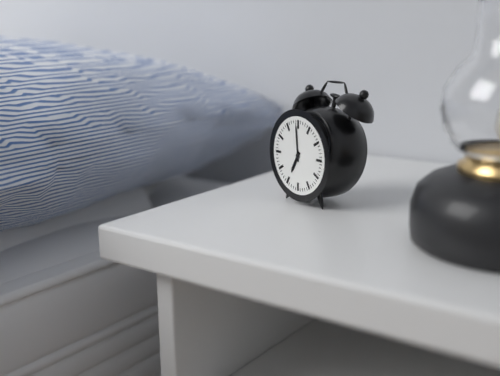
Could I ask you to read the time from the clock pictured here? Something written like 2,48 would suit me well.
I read 6,59
